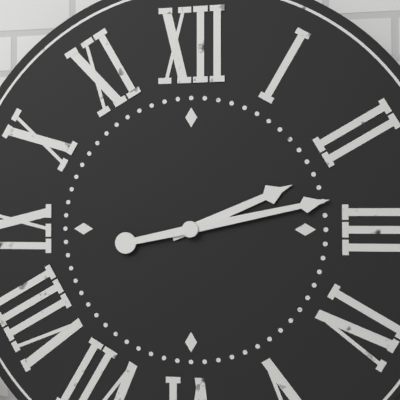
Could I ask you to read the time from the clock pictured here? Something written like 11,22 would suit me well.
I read 2,13
